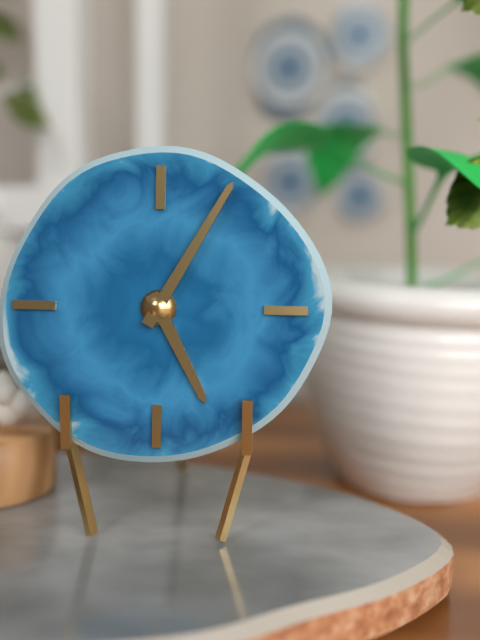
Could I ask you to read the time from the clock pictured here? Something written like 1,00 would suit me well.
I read 5,05
